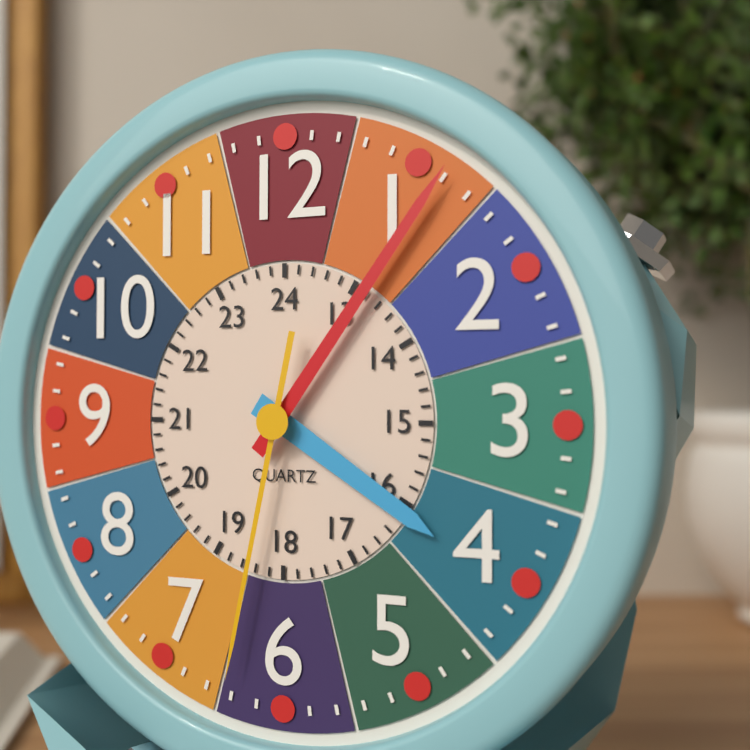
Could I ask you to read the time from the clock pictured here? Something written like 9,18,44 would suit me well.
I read 4,06,32
